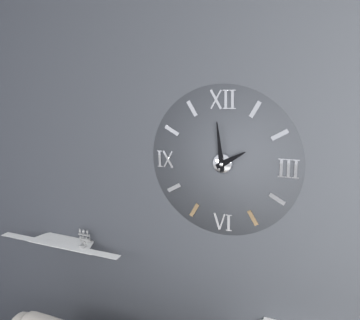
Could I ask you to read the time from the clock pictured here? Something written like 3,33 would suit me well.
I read 1,59
